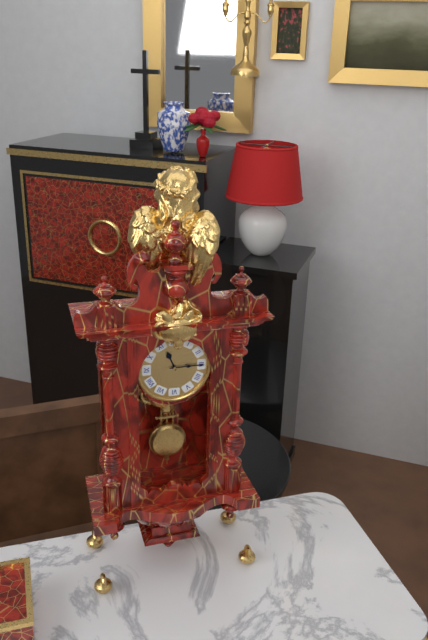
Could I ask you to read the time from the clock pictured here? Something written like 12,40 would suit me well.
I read 11,15
